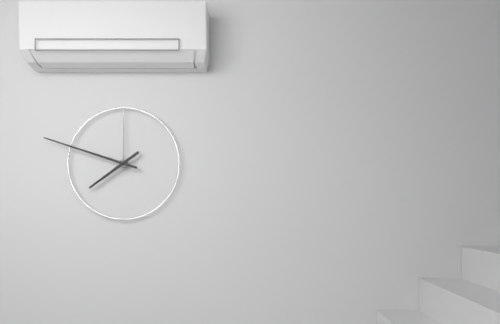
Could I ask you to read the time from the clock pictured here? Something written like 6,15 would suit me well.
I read 7,48
